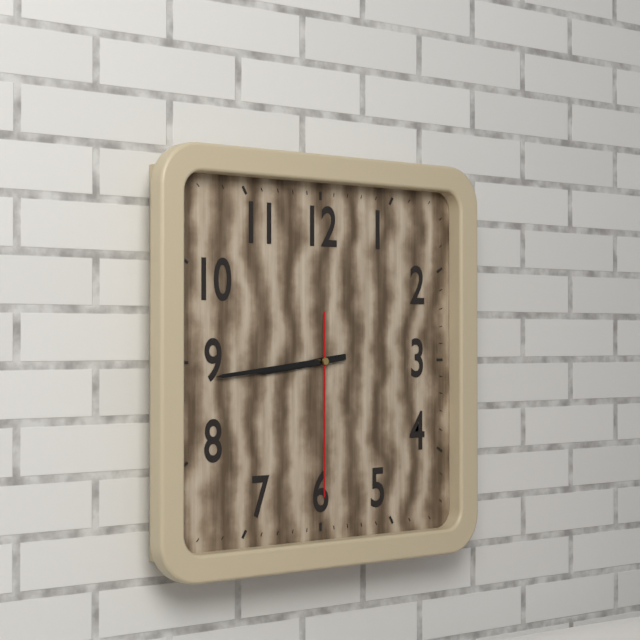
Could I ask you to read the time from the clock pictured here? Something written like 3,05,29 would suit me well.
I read 8,44,30
